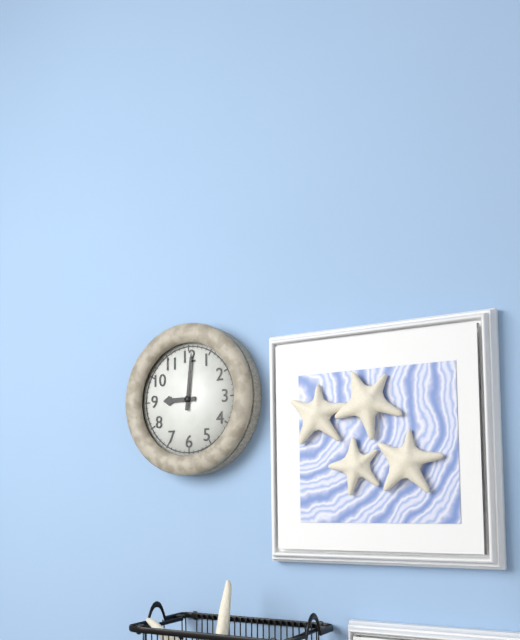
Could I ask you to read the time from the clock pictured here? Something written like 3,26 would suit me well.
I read 9,01
